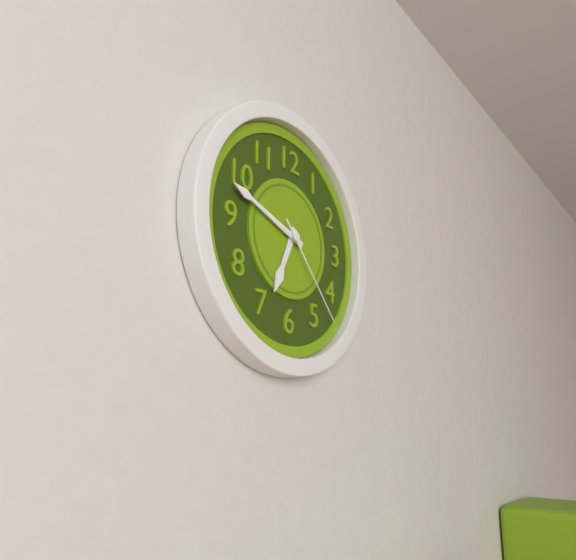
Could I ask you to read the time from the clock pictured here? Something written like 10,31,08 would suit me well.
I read 6,48,23
